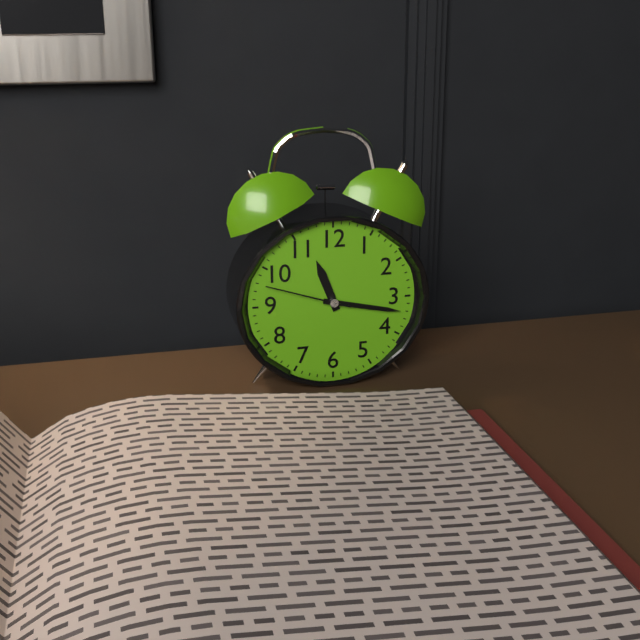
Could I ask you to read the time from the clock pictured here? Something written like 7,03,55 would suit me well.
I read 11,17,48
